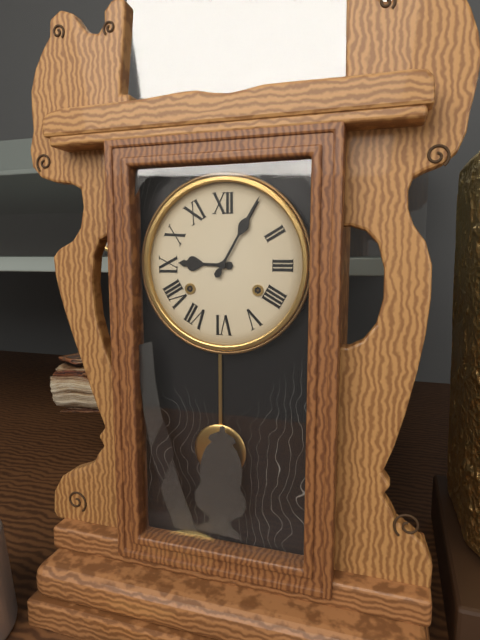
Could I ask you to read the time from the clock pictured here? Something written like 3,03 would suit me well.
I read 9,05
